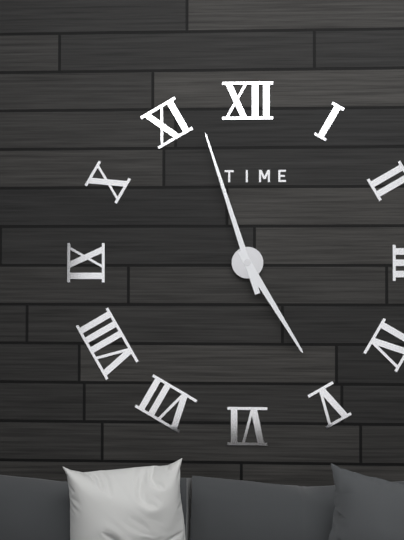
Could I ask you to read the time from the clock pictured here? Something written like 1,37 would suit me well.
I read 4,57
